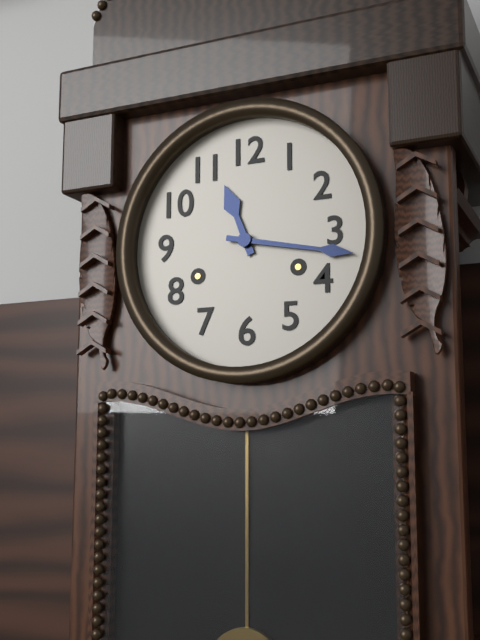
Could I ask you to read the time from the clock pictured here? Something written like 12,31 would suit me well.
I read 11,17
